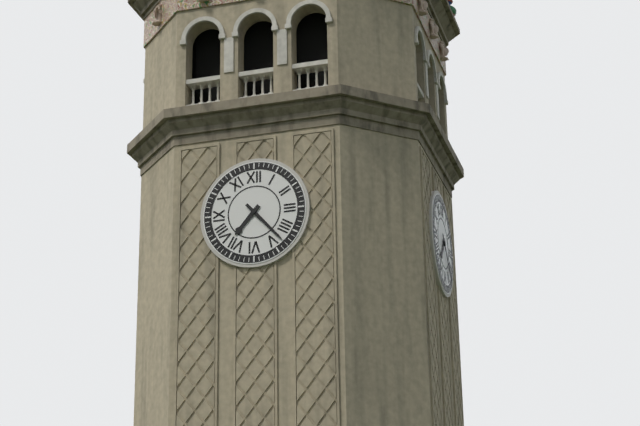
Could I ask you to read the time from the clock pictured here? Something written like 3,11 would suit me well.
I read 7,23
